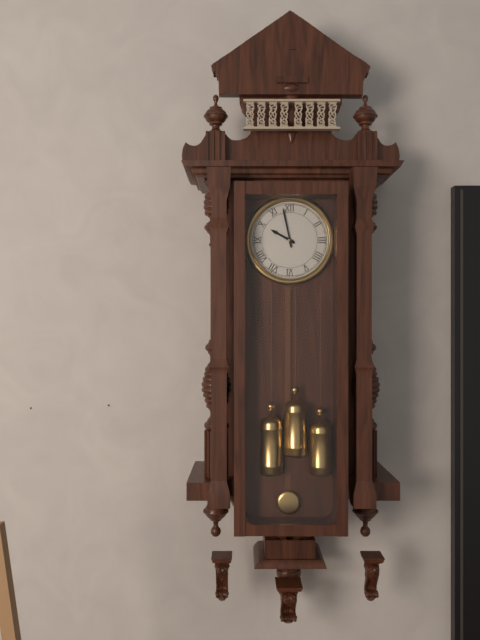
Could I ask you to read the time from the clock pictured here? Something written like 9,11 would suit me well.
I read 9,58
